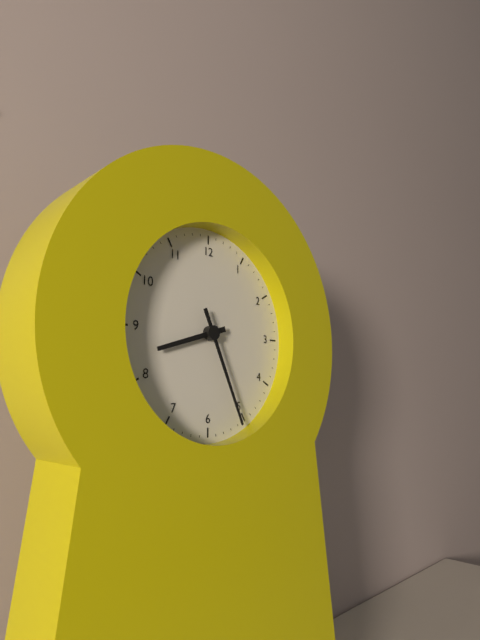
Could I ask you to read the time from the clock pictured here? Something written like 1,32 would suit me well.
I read 8,26
